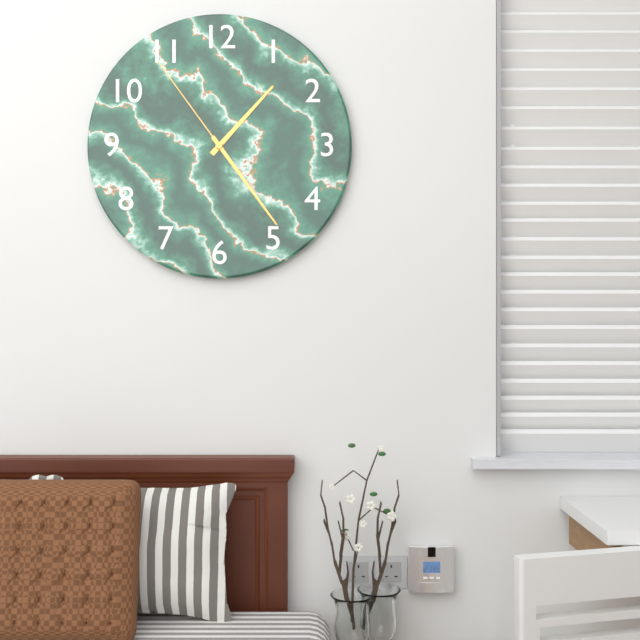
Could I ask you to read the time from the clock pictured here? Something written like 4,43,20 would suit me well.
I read 1,24,54
